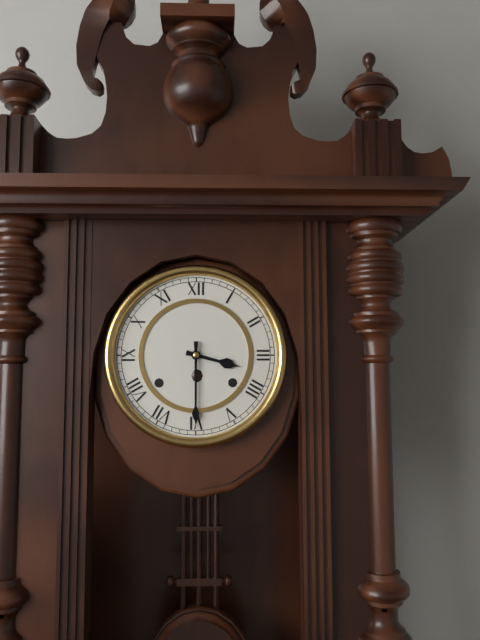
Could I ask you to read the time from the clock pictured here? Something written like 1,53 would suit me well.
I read 3,30
